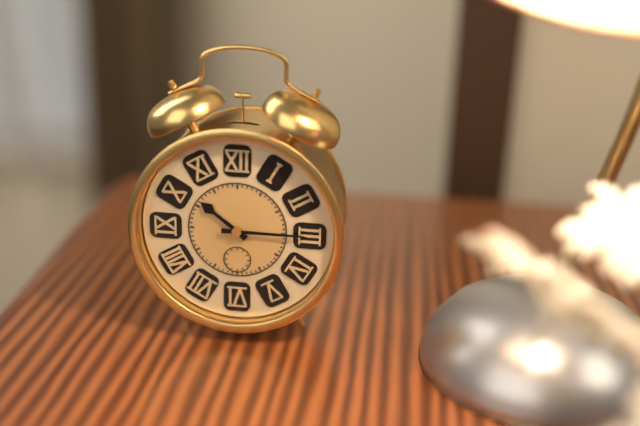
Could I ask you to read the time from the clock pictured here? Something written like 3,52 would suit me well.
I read 10,15
